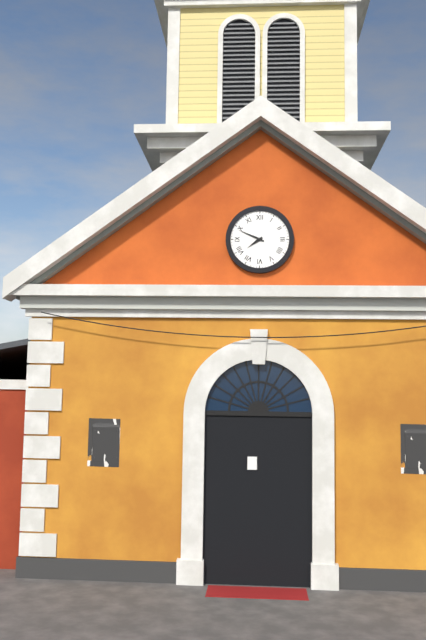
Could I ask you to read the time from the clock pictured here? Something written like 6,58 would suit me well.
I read 7,49
